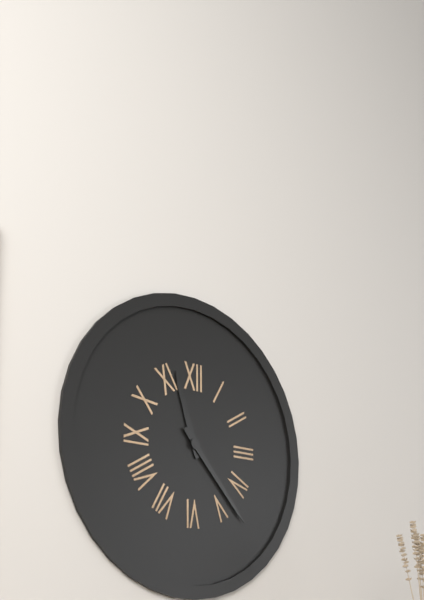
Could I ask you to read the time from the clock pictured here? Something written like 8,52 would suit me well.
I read 11,23
